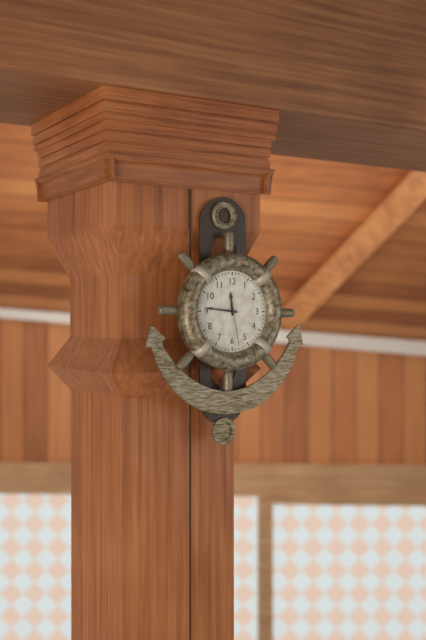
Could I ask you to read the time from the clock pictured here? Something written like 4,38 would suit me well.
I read 11,46
